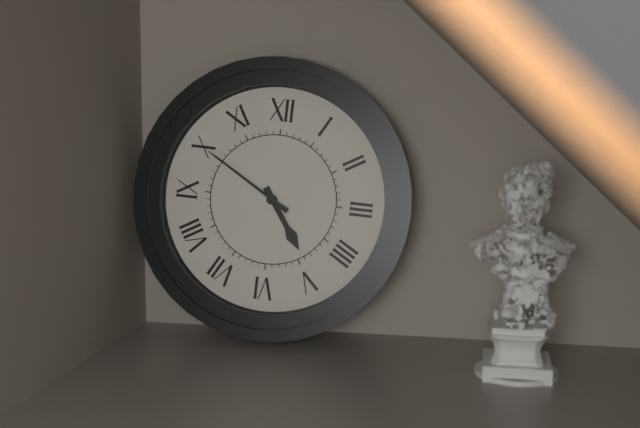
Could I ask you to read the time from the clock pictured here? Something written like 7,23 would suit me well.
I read 4,50
